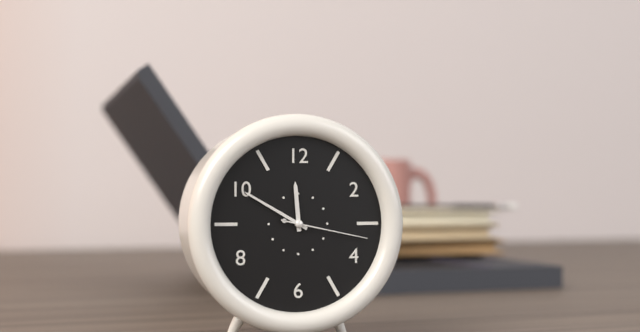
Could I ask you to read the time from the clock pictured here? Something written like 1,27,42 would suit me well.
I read 11,50,17
